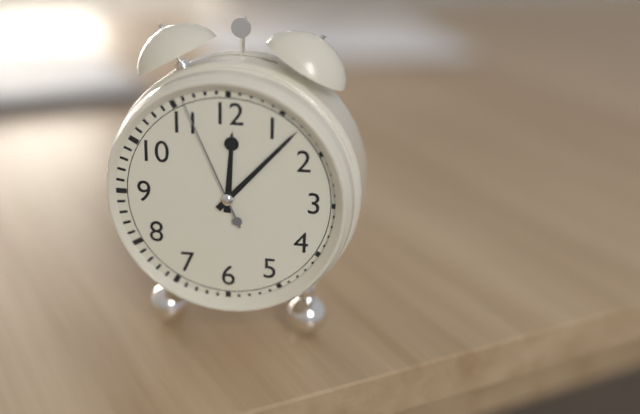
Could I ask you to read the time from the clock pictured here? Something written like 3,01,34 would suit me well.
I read 12,07,56
